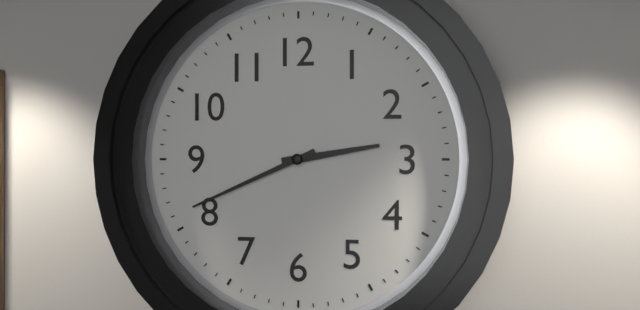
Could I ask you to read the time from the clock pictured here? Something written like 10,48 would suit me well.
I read 2,41
